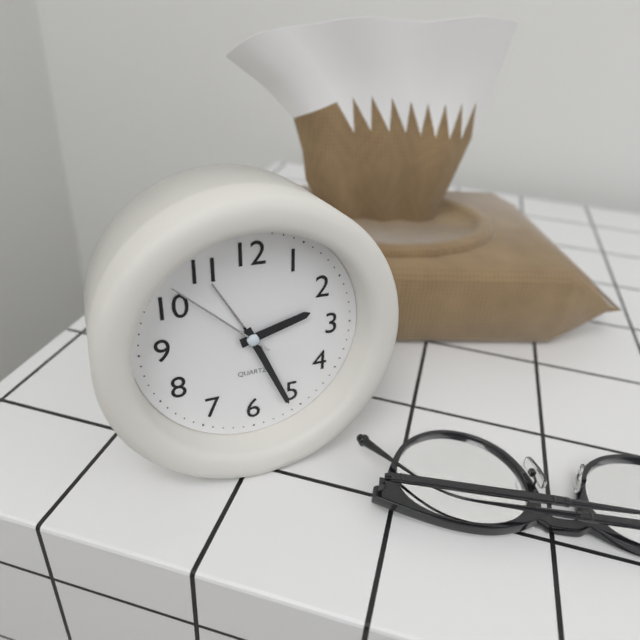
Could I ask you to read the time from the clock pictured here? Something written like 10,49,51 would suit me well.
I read 2,26,52
